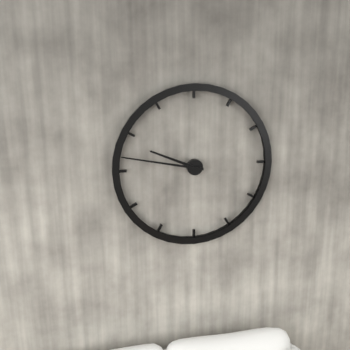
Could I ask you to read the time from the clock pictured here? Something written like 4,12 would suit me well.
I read 9,47
